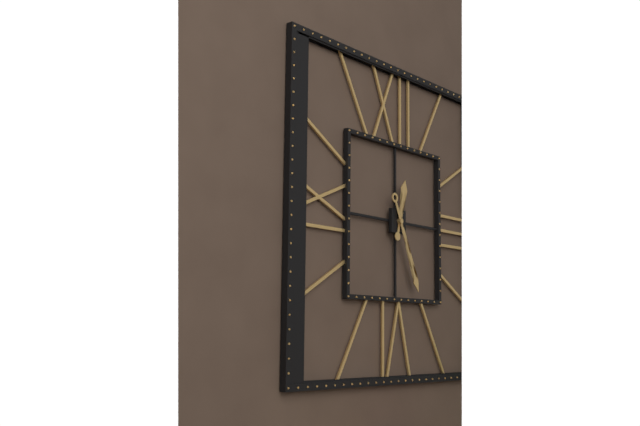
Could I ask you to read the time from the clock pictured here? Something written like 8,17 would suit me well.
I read 12,26
